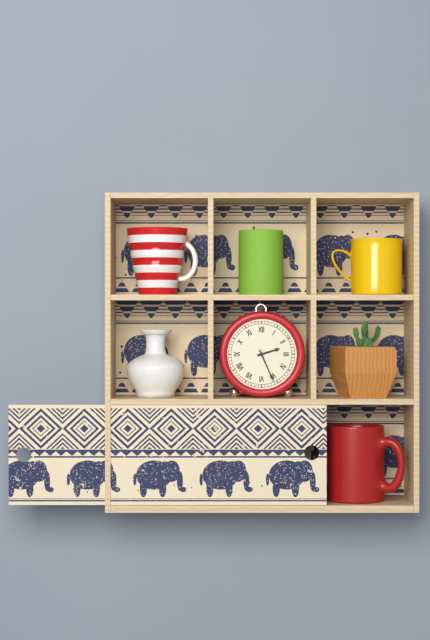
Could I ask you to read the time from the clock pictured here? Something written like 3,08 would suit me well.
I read 2,26
